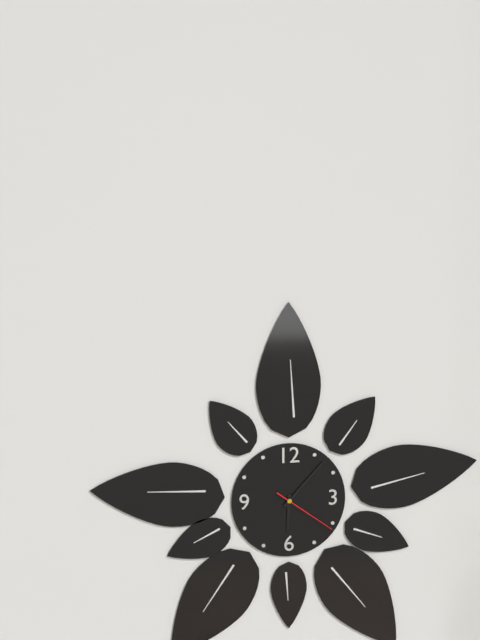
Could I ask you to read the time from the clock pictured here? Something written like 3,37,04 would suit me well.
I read 6,07,21
